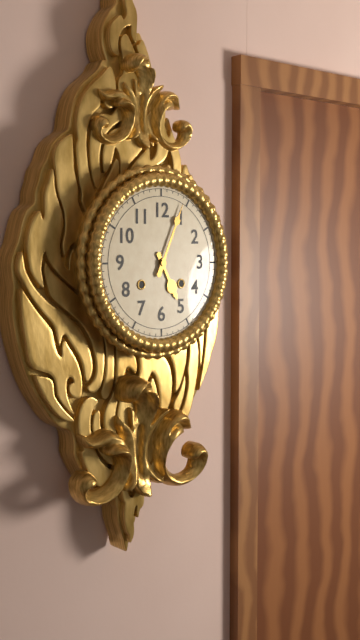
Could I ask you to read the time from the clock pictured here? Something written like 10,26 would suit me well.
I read 5,04
